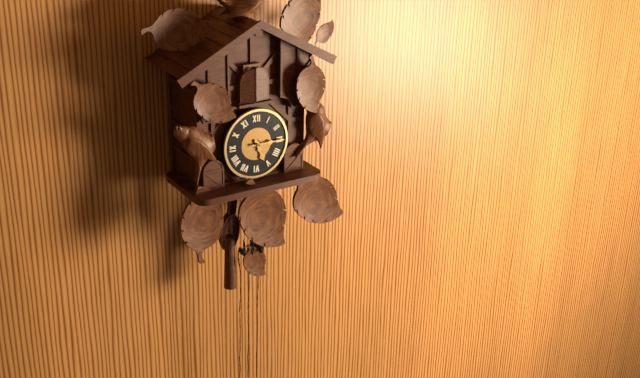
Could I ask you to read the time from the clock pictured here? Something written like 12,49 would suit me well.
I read 5,15
